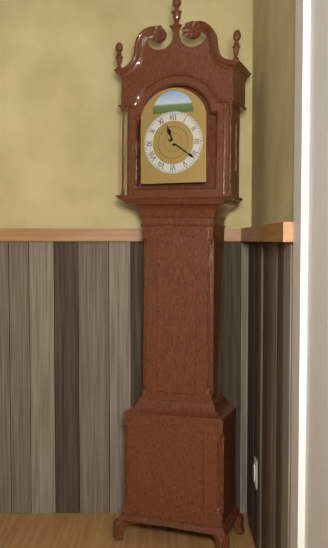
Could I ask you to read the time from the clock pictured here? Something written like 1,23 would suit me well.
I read 11,21
